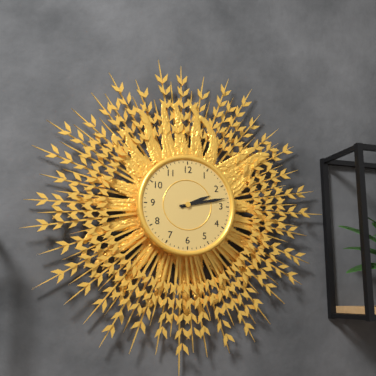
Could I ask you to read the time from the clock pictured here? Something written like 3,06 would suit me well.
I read 2,13
